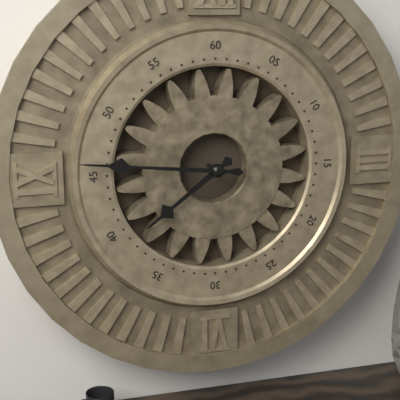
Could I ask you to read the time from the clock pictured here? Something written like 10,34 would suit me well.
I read 7,46
